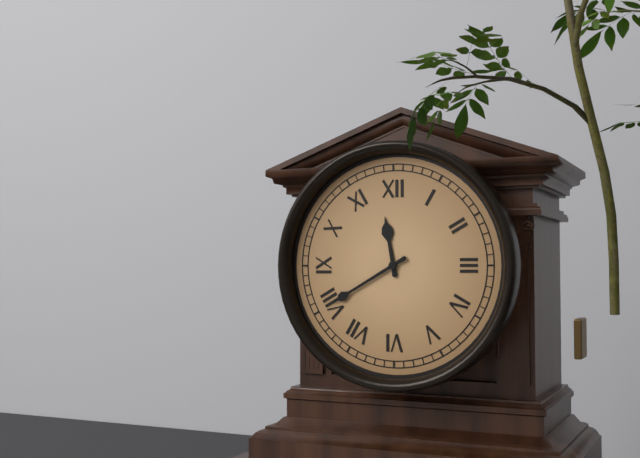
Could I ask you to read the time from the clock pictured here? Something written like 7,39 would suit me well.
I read 11,40
